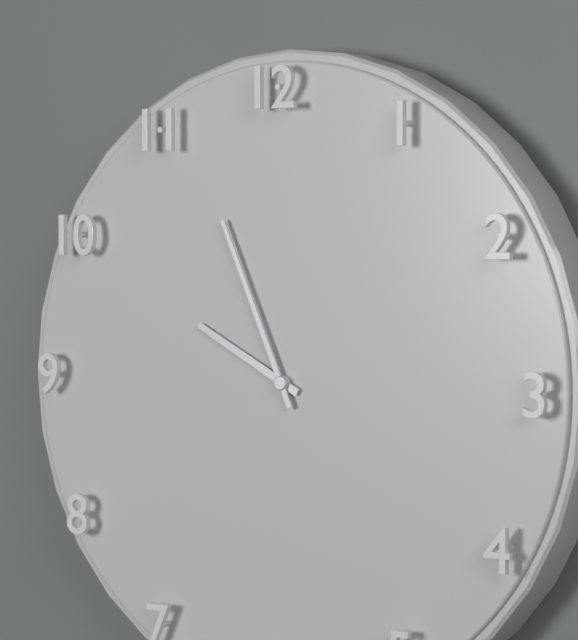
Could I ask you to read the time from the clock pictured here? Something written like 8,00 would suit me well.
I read 9,56
